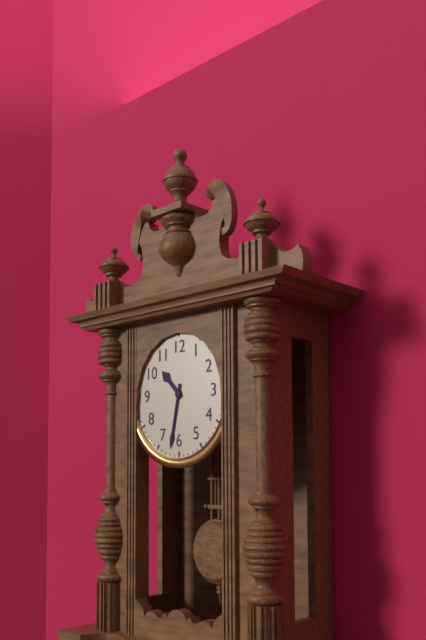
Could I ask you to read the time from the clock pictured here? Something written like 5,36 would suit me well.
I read 10,32
